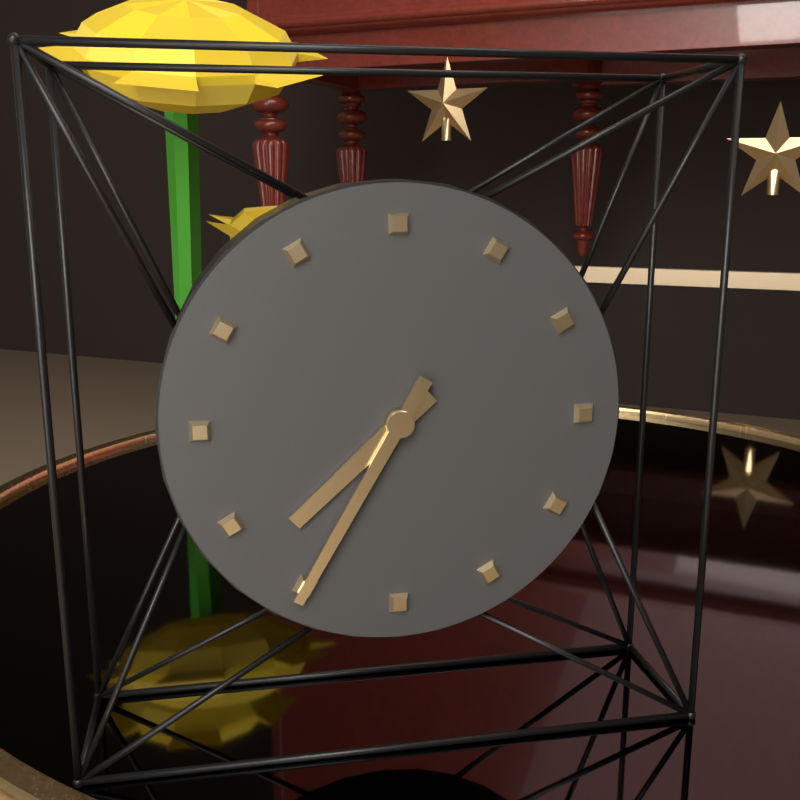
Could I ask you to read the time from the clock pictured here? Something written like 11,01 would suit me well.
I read 7,35
